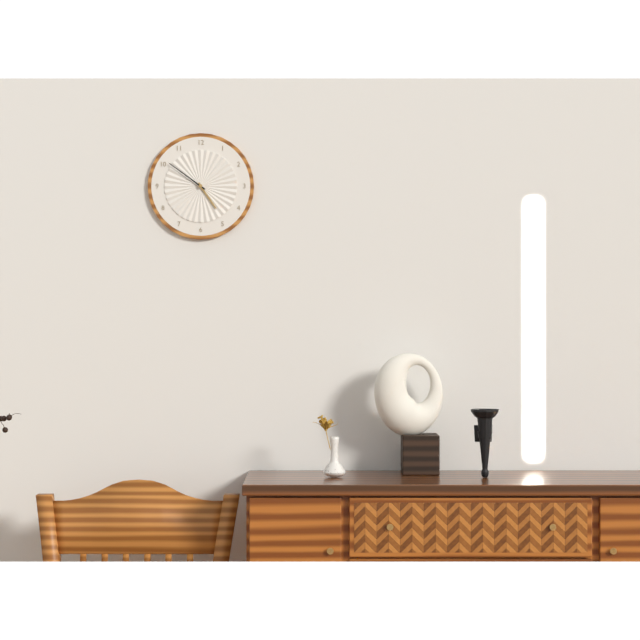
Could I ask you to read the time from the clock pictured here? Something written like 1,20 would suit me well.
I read 4,51
